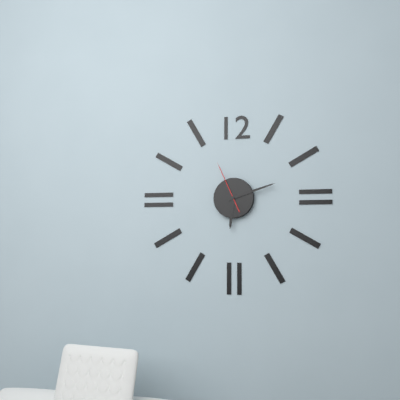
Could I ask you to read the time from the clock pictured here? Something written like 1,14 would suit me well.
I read 6,12
